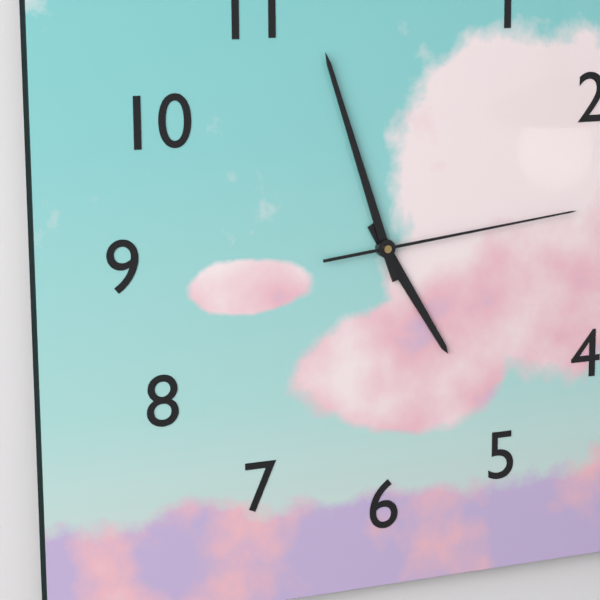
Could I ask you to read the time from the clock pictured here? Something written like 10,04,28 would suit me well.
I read 4,57,14
